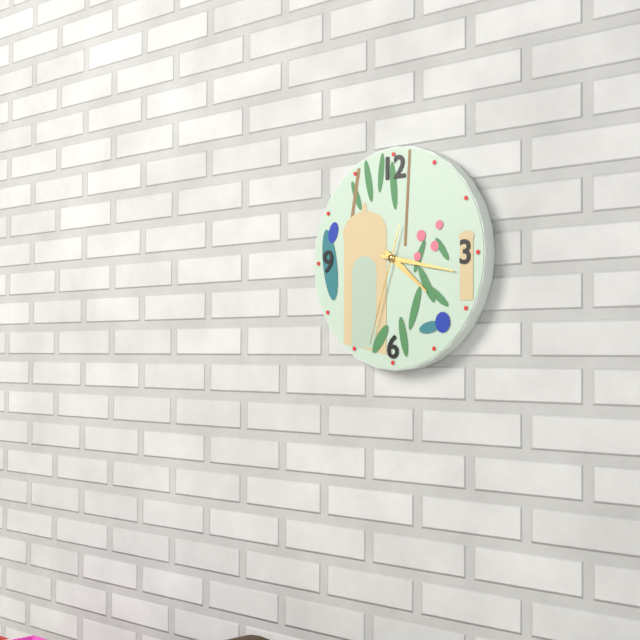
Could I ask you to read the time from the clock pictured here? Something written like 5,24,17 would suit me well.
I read 4,17,33
